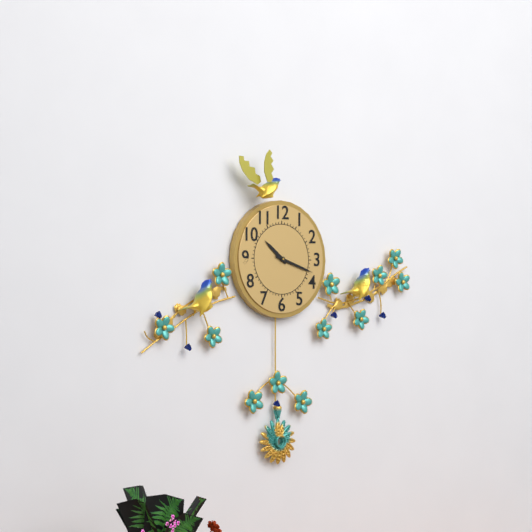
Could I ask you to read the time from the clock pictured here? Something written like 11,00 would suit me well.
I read 10,18
